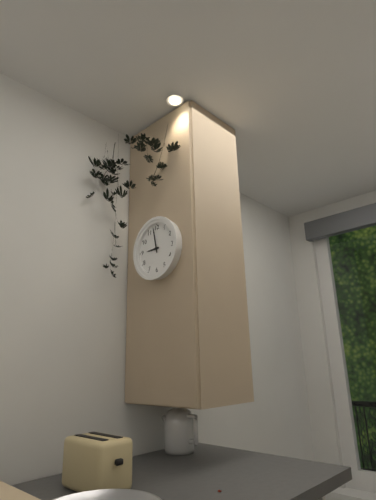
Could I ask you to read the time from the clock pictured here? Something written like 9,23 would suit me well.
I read 8,58
